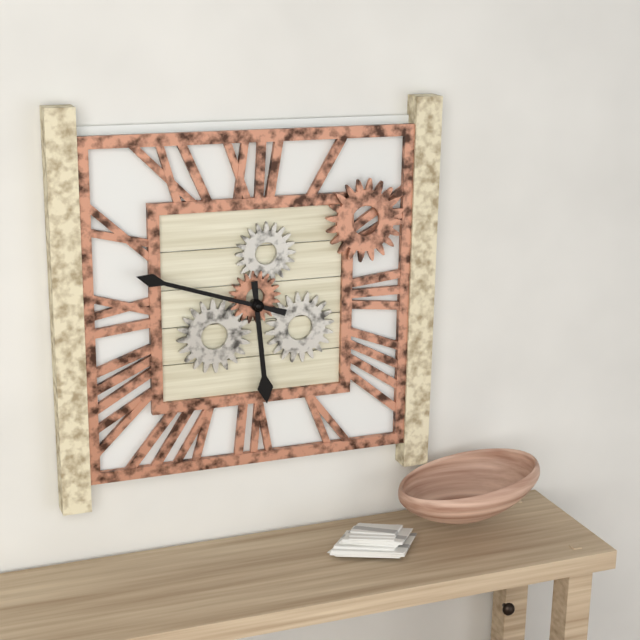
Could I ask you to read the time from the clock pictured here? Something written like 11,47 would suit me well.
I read 5,48
